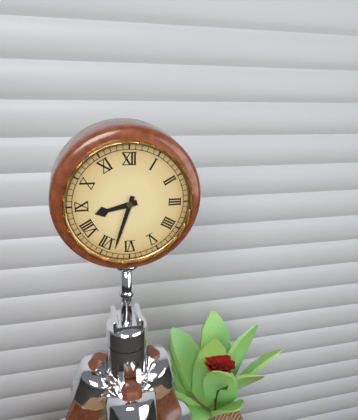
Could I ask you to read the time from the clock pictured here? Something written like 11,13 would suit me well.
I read 8,33
